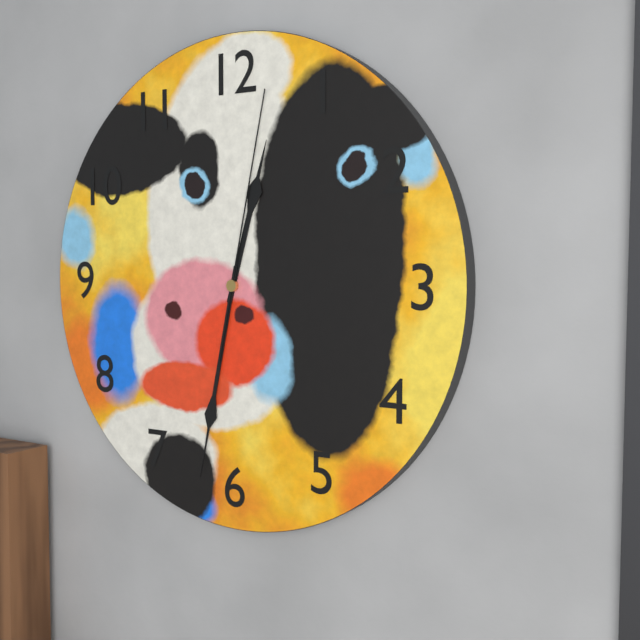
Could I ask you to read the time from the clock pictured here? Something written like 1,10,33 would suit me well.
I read 12,32,02
